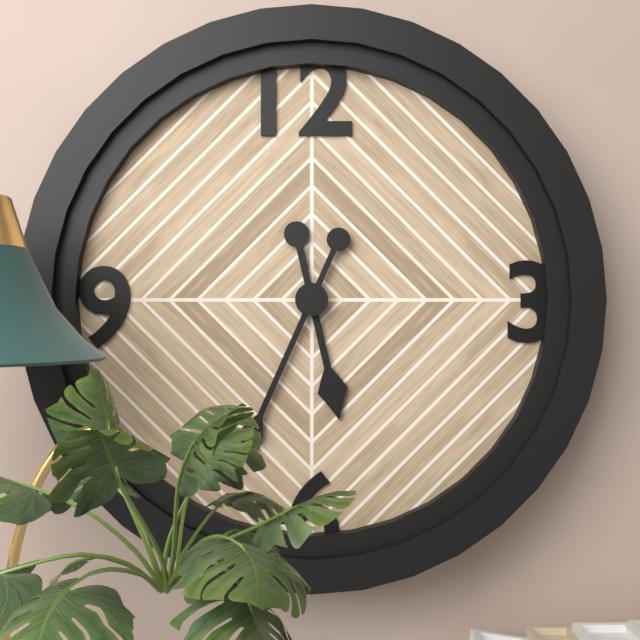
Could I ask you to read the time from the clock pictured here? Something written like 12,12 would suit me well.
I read 5,34
